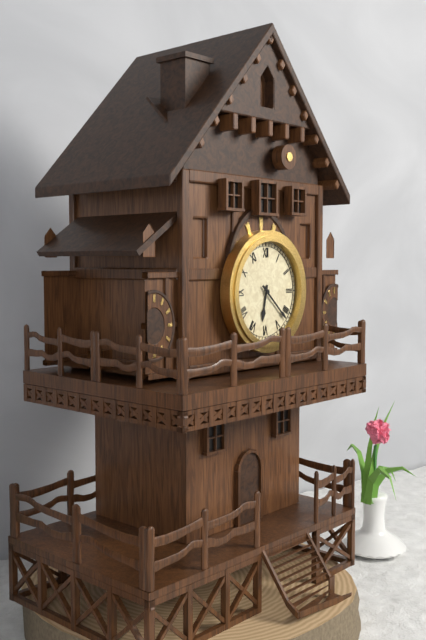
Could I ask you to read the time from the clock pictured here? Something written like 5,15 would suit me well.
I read 6,22
